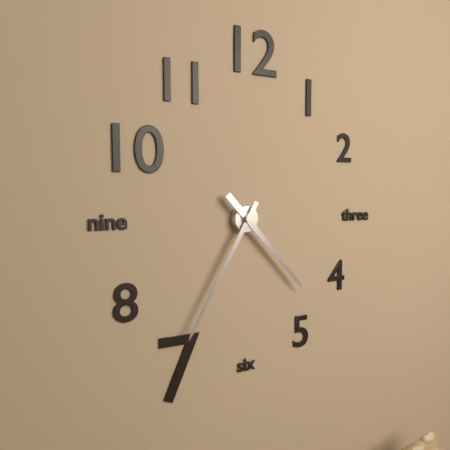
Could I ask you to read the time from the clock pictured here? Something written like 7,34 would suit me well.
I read 4,35
